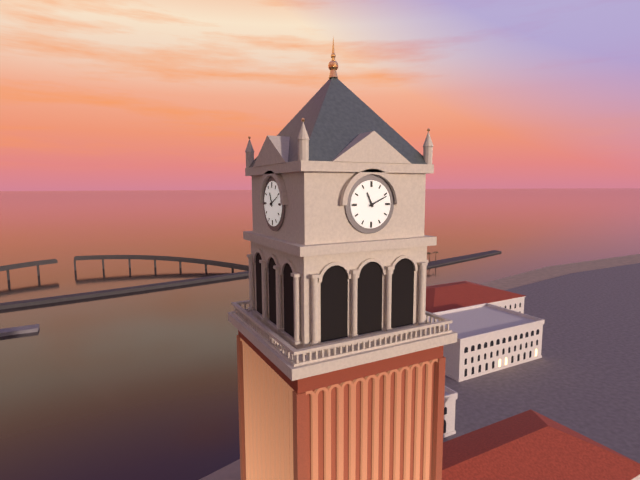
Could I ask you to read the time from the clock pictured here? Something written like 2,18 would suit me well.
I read 11,11
